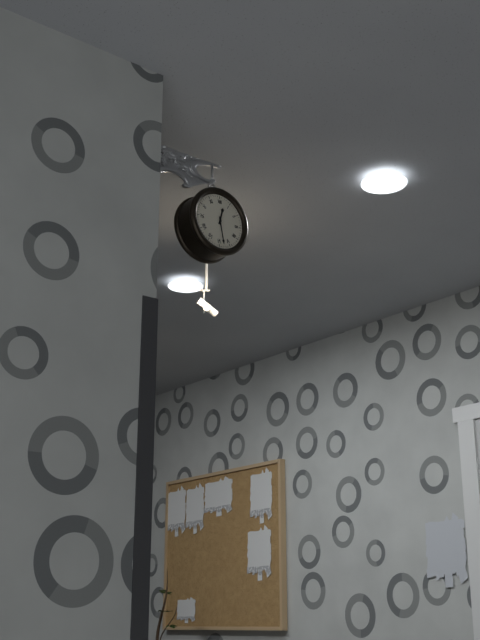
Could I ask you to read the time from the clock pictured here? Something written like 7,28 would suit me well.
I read 12,28
